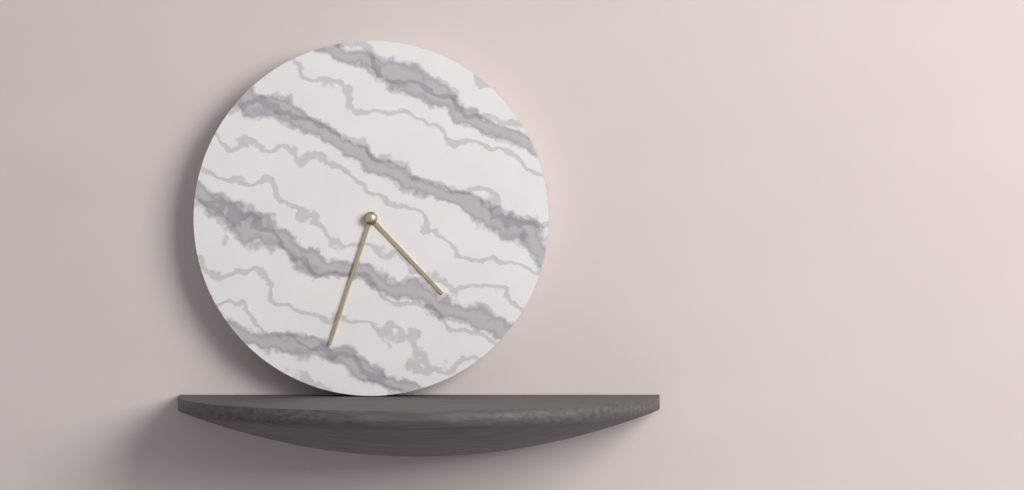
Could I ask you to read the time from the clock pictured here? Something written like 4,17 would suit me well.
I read 4,33
